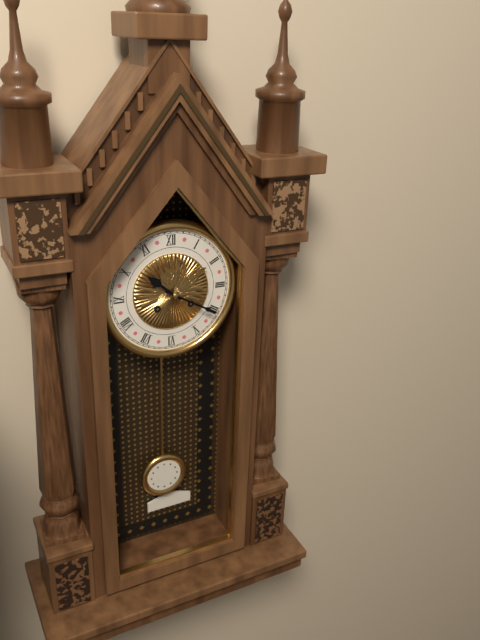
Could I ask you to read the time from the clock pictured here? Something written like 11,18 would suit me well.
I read 10,20
